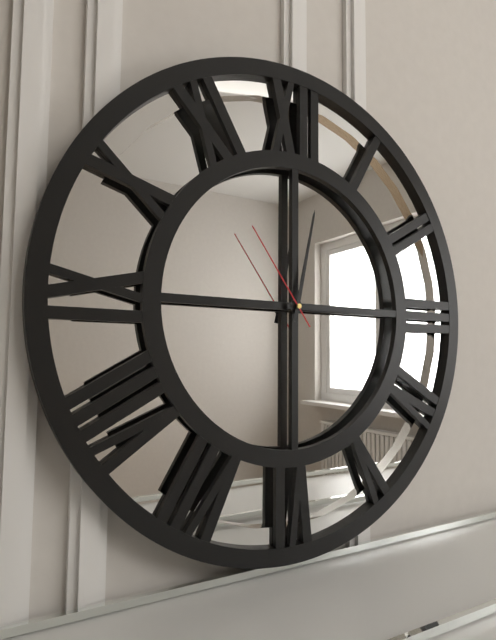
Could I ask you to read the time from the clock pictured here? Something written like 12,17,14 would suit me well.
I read 3,02,54
